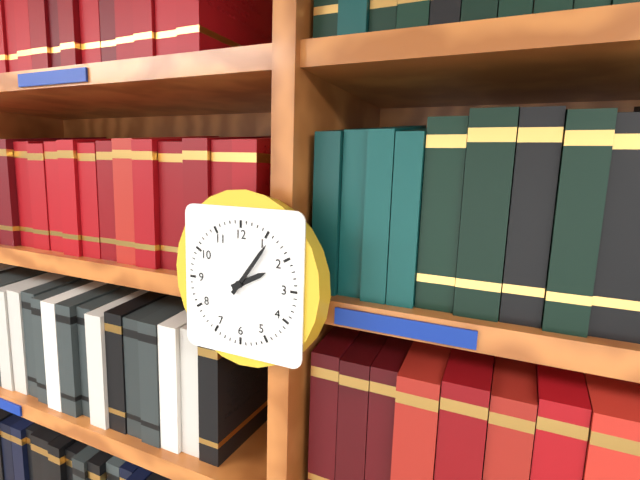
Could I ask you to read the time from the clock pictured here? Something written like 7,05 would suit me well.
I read 2,06
